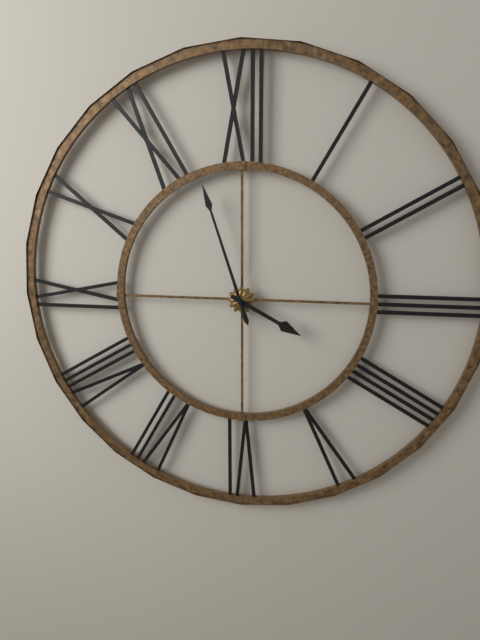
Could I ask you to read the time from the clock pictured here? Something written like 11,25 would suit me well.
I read 3,57
